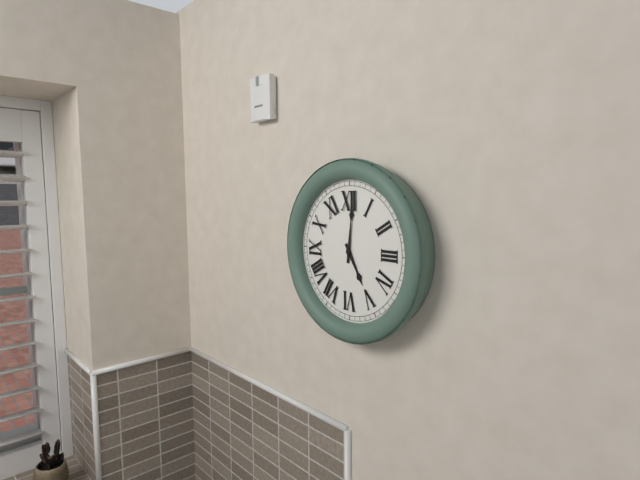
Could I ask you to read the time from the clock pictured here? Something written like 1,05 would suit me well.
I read 5,01
